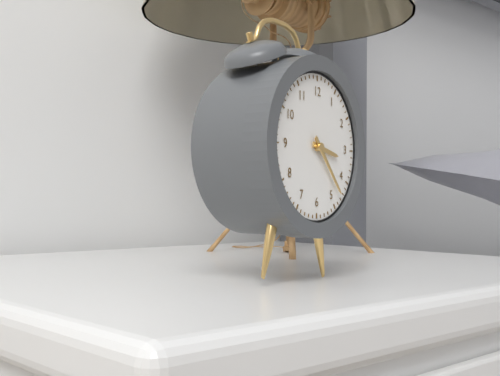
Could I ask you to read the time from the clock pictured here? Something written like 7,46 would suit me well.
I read 3,23
